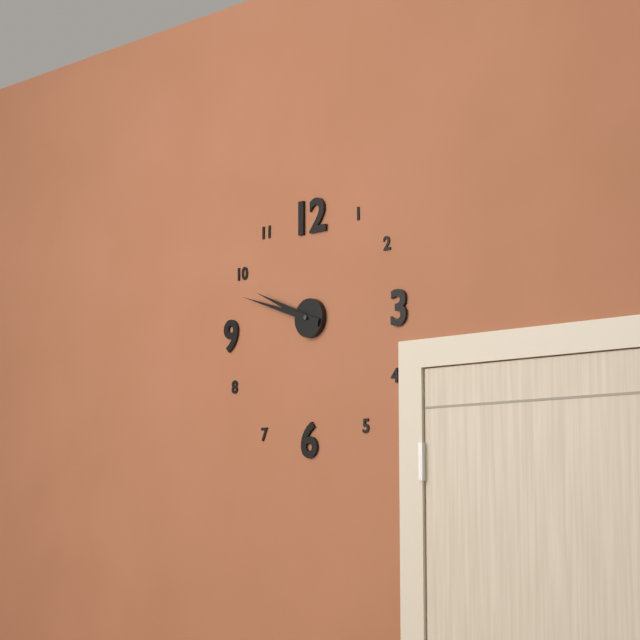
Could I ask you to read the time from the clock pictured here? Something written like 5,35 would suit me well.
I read 9,48
